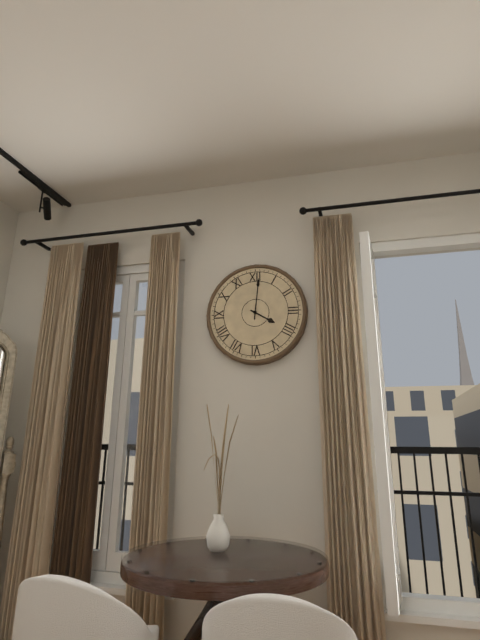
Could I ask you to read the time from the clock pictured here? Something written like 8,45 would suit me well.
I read 4,01
